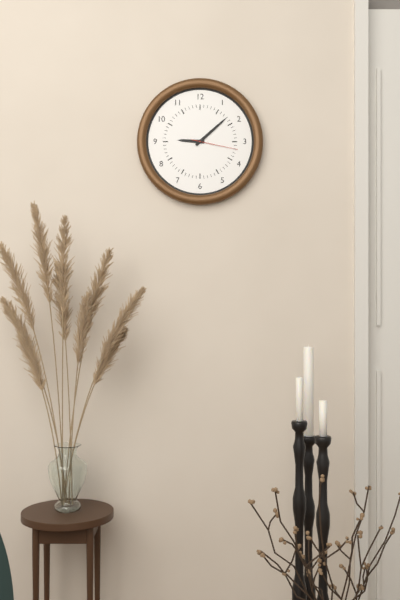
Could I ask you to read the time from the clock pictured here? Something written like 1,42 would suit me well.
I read 9,08
